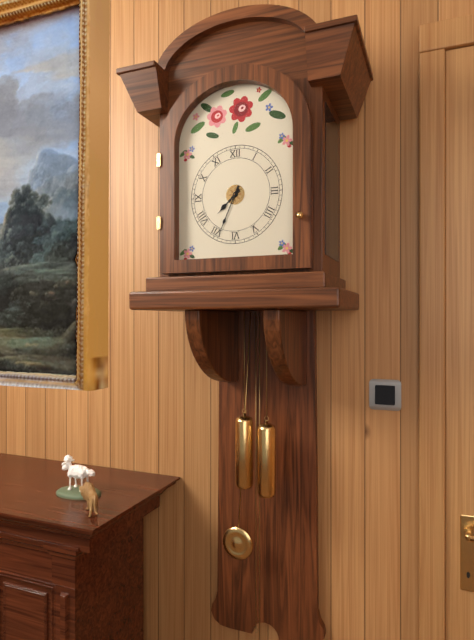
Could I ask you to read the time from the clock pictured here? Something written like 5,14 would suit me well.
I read 7,34
